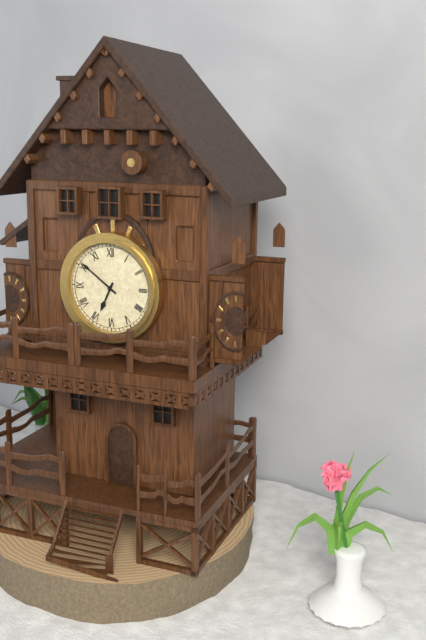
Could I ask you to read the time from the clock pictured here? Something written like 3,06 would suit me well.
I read 6,51
